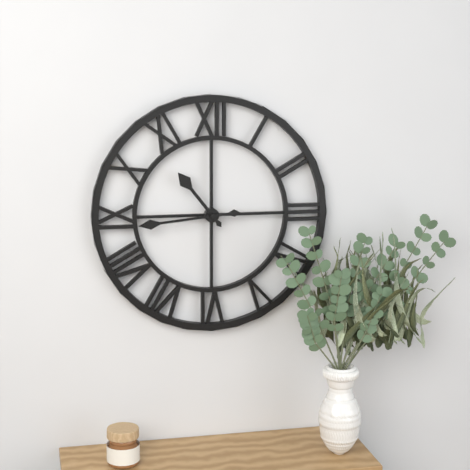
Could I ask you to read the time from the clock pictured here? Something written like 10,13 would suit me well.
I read 10,44
